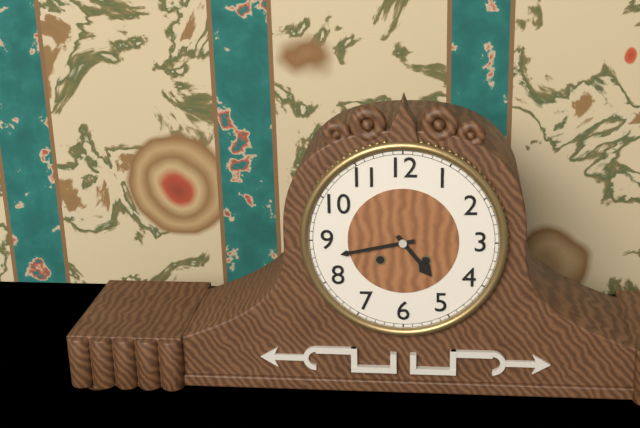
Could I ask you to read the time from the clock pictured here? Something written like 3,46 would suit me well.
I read 4,43
